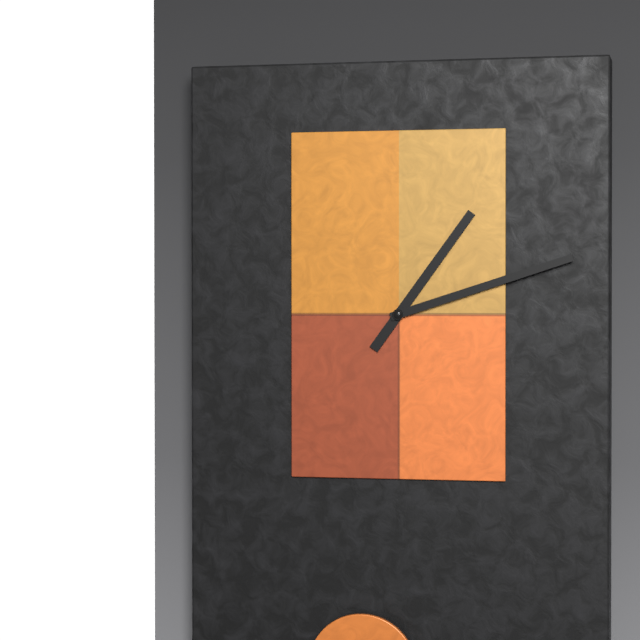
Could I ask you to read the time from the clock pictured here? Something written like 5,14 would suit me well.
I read 1,12
